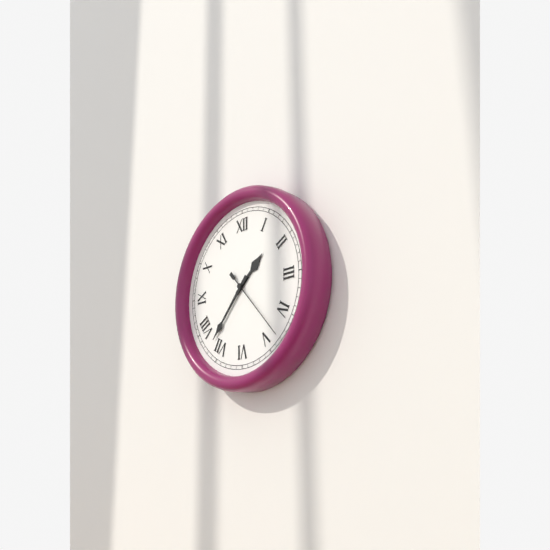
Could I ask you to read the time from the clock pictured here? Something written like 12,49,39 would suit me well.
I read 1,37,23
